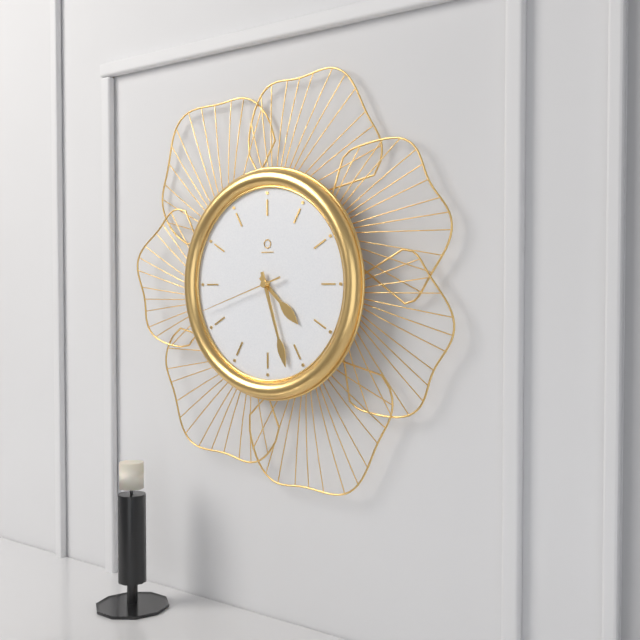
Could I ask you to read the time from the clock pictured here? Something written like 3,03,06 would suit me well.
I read 4,27,42
